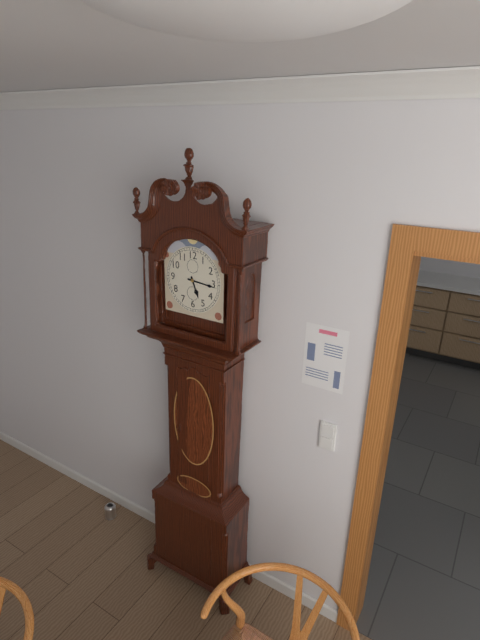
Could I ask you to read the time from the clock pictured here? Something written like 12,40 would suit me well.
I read 5,16
